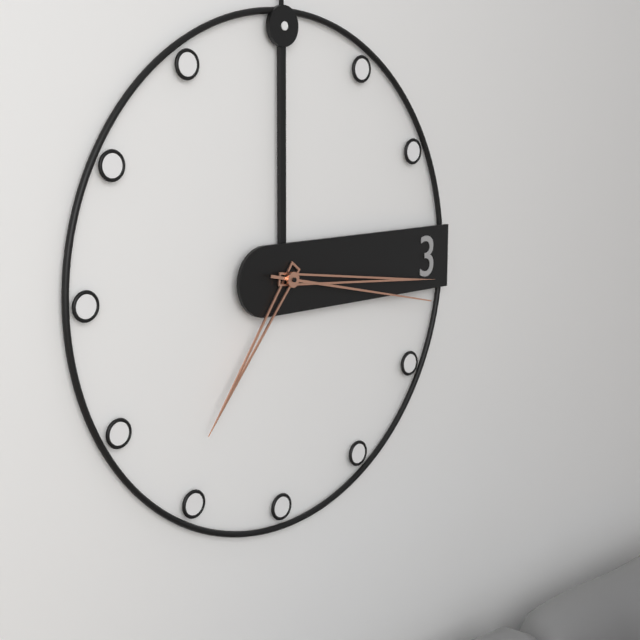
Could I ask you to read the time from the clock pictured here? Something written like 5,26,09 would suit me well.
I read 7,16,17
